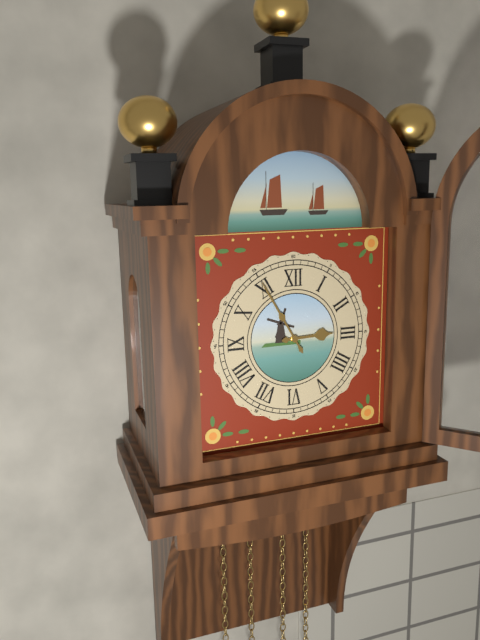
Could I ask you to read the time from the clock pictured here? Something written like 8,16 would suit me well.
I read 2,55
